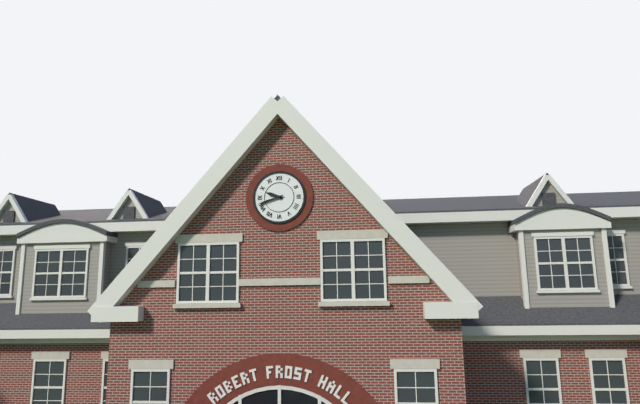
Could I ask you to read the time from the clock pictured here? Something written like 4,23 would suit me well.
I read 9,42
